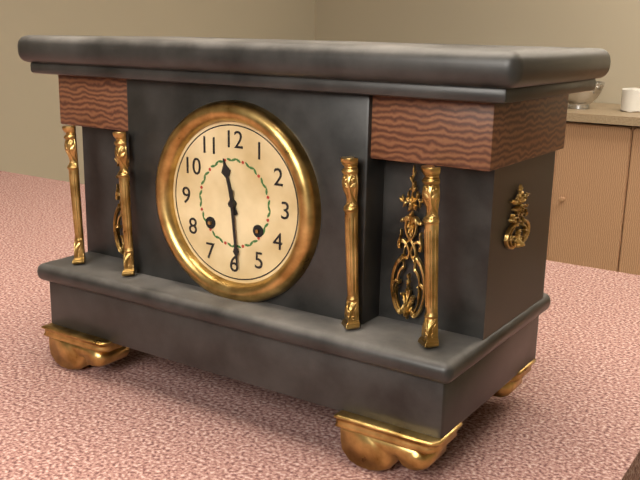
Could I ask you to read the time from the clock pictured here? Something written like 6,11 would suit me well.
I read 11,29
